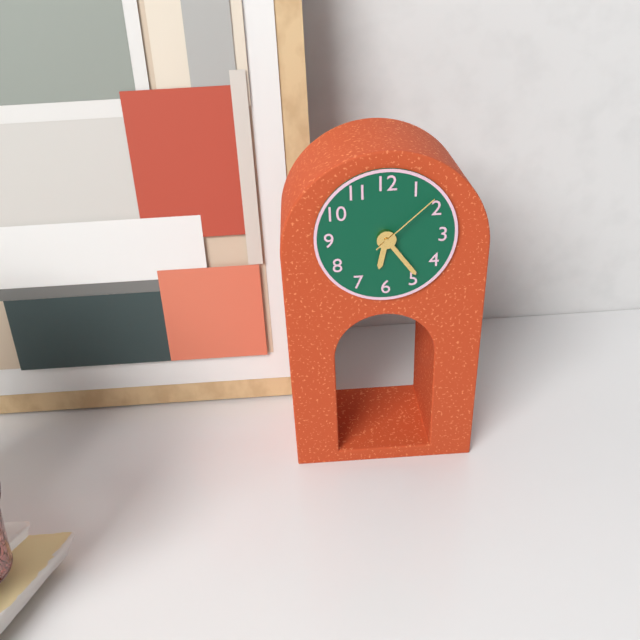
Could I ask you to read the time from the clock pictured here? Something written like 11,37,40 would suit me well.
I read 6,24,08
